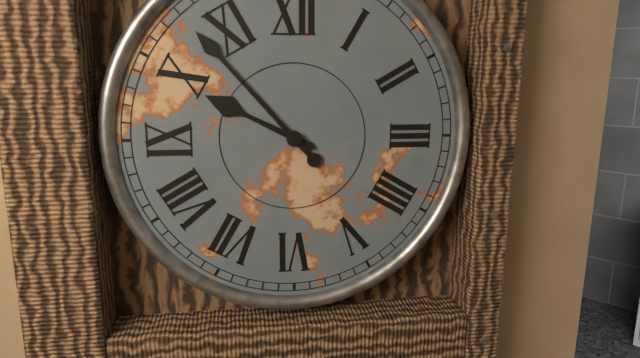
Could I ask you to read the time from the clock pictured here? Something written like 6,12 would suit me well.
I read 9,53
